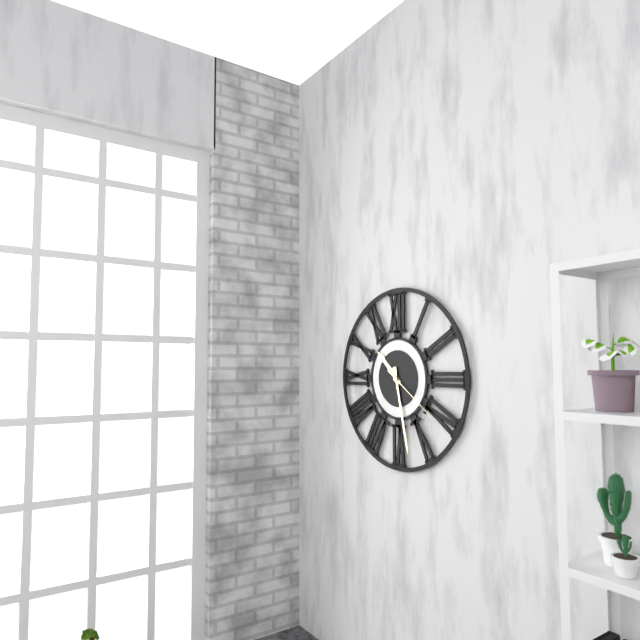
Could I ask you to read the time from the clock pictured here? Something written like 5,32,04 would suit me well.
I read 10,28,21
